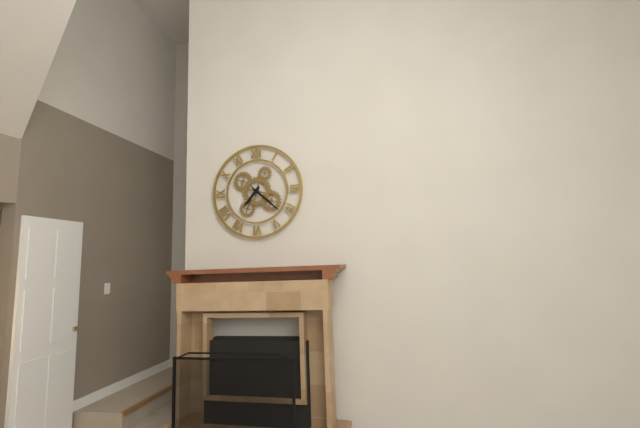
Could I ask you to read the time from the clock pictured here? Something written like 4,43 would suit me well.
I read 7,22
